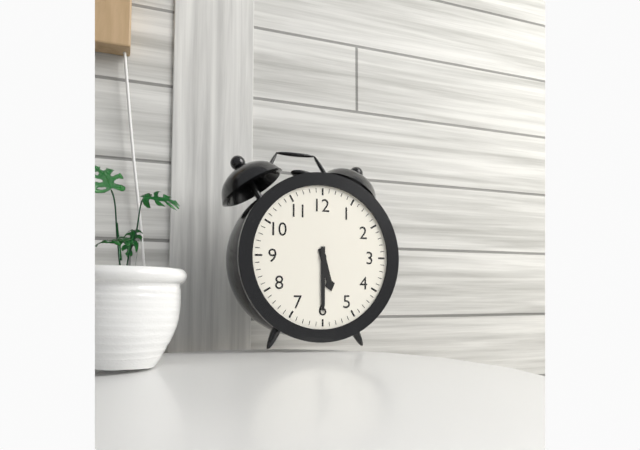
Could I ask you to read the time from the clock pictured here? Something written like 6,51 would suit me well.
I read 5,30
